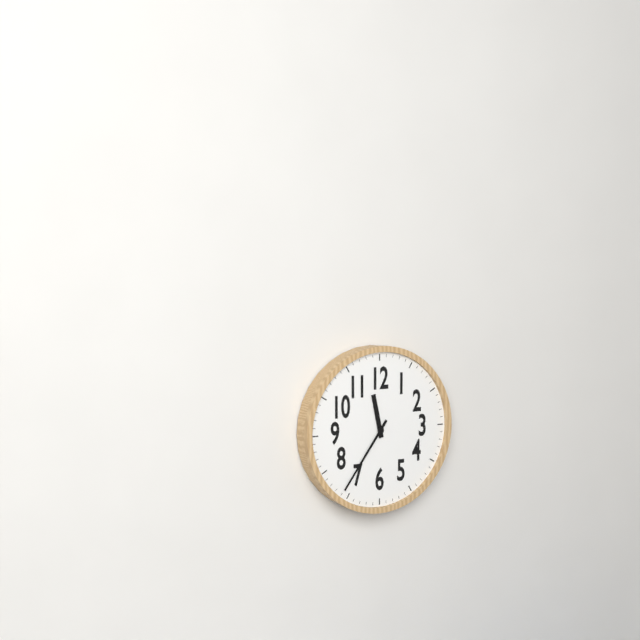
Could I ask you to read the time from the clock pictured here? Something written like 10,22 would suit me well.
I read 11,36
